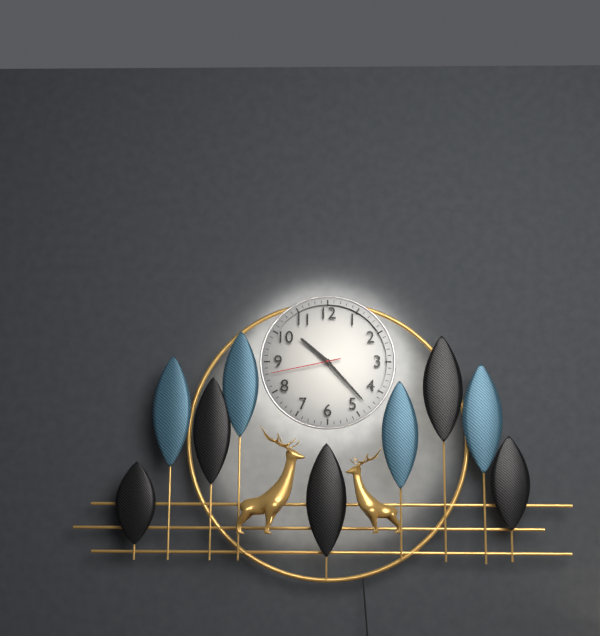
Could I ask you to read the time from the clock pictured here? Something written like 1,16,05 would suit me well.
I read 10,23,43
